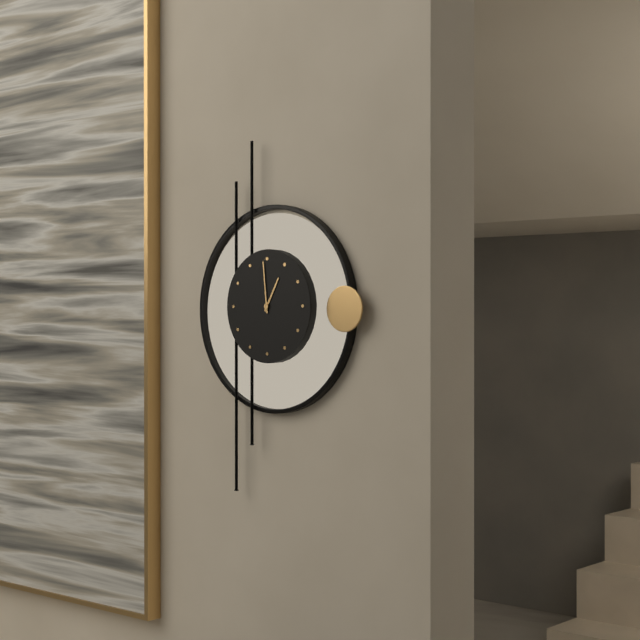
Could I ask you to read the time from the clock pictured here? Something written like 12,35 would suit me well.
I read 12,59
